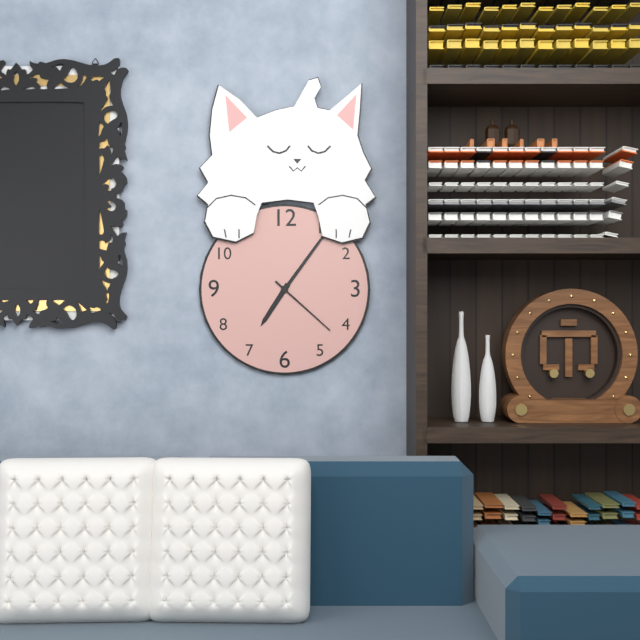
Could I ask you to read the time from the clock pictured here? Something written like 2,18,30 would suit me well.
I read 7,06,22
